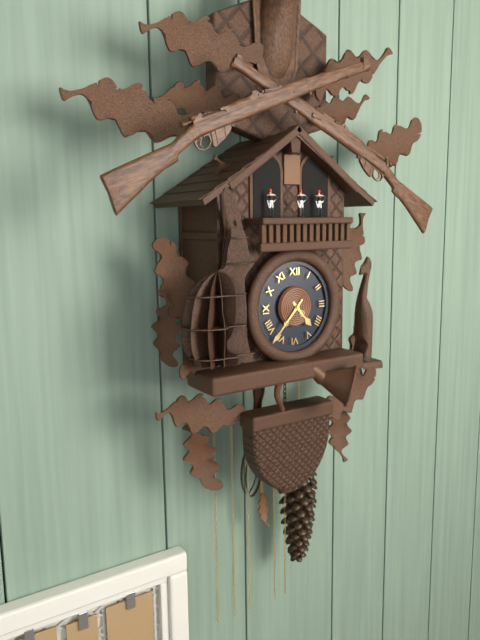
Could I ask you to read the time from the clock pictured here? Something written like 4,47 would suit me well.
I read 4,37
